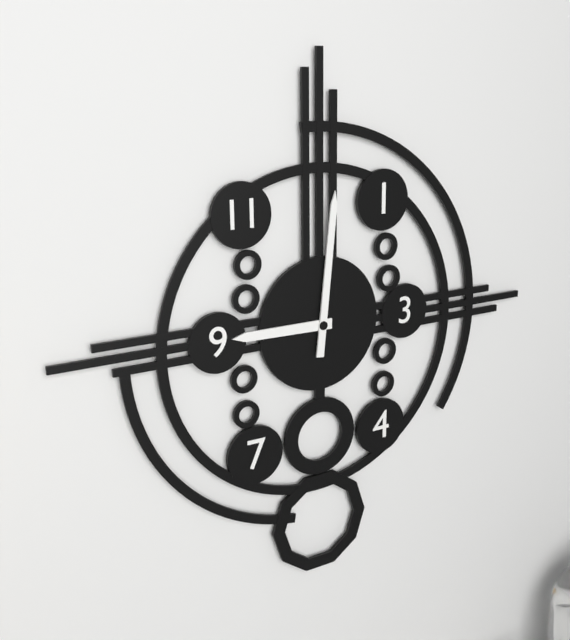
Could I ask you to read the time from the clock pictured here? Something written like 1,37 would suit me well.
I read 9,01
